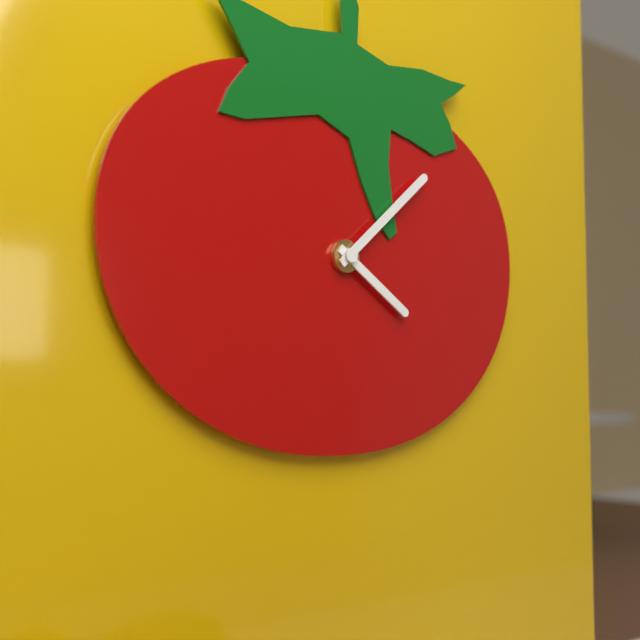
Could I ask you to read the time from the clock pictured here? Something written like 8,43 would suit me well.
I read 4,08
